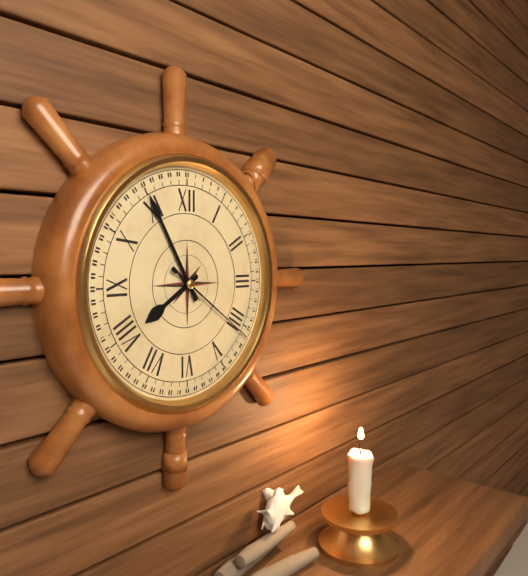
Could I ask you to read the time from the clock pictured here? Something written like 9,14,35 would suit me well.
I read 7,55,21
